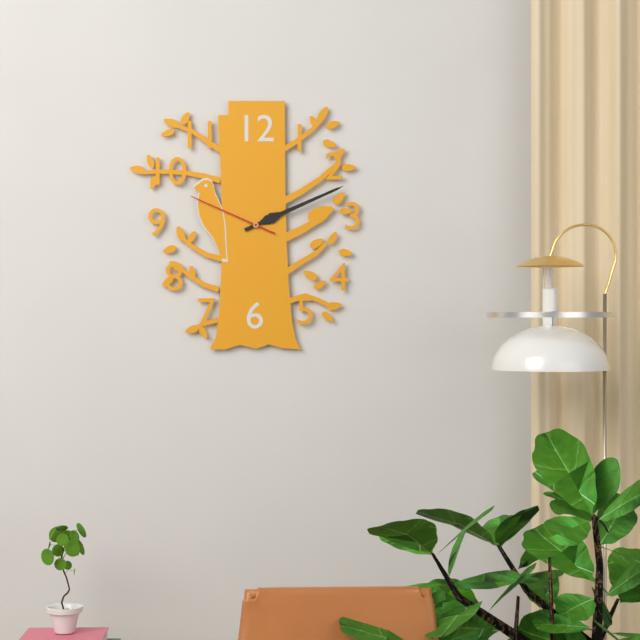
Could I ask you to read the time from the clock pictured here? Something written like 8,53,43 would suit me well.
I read 2,11,49
